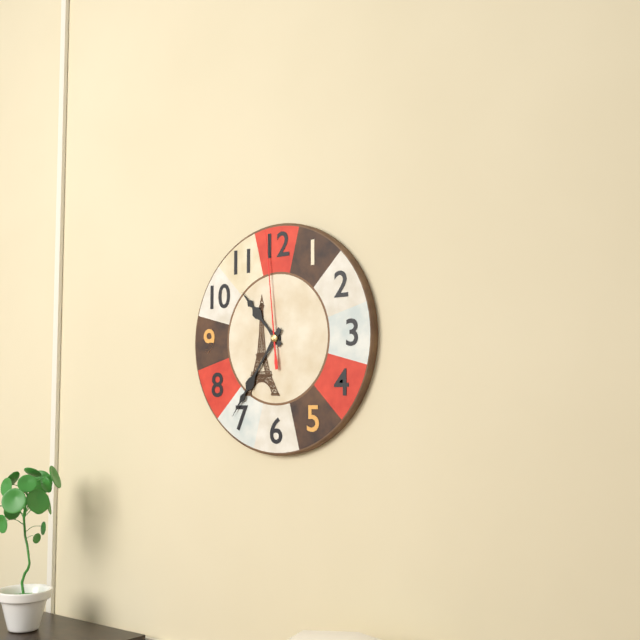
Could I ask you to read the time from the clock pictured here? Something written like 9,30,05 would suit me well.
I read 10,36,59
